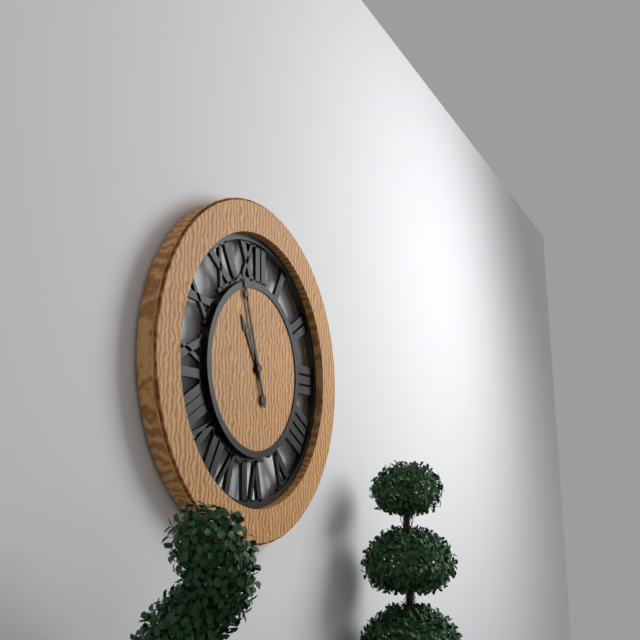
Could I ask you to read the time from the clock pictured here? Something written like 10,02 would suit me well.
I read 10,57
